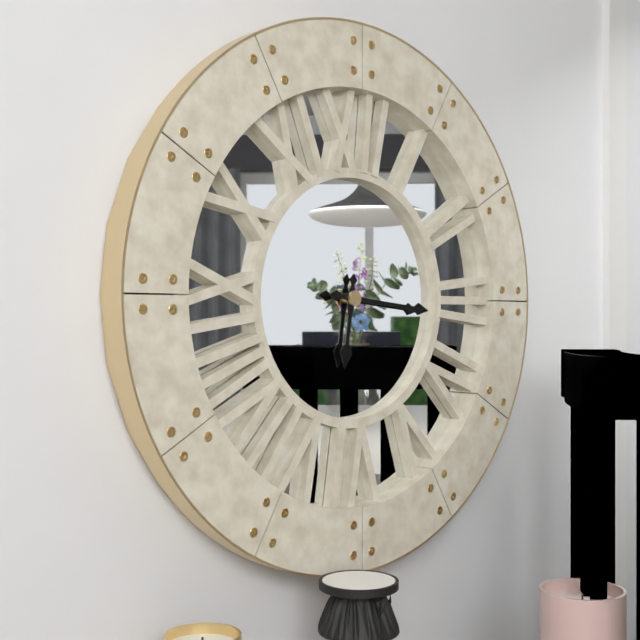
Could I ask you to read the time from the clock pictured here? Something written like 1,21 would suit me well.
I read 6,16
